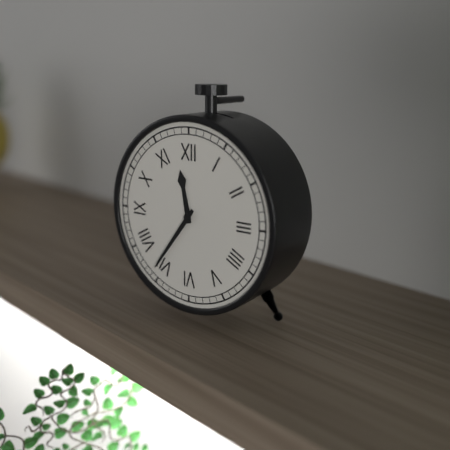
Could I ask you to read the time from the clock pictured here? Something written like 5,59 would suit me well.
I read 11,36
